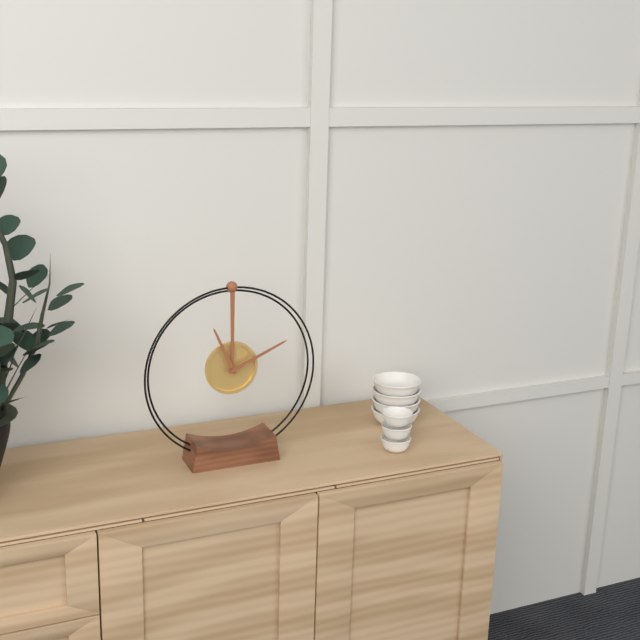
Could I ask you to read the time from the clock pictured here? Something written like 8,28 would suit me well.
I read 11,11
